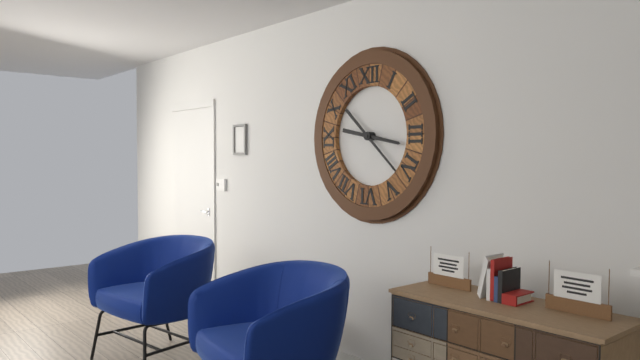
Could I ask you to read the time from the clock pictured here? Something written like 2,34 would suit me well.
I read 3,22
